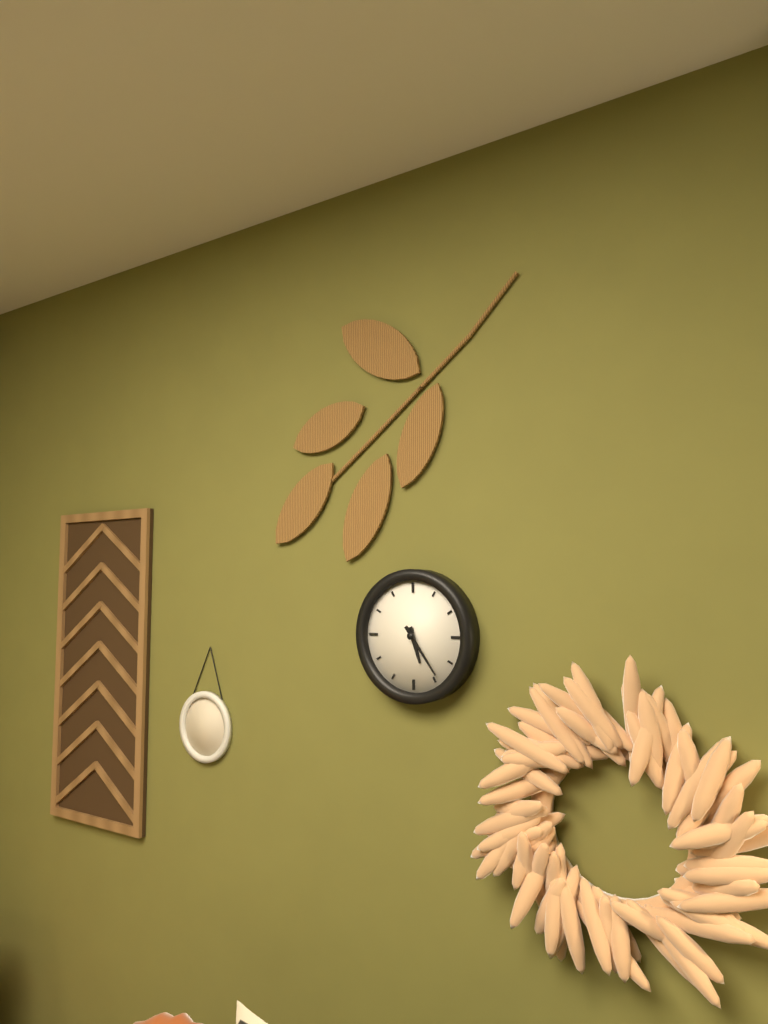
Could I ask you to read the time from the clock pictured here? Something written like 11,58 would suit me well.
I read 5,24
